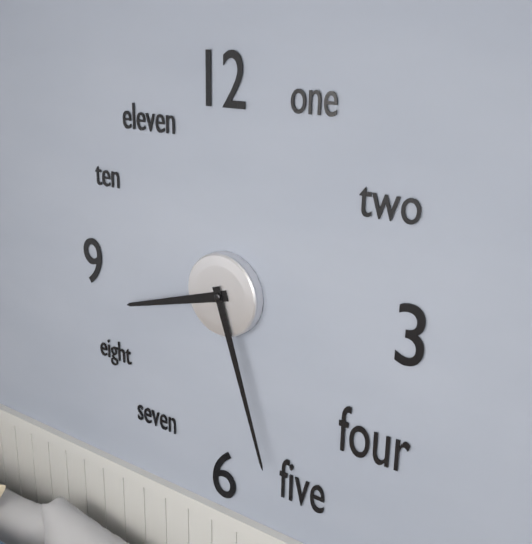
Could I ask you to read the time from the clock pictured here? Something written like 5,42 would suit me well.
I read 8,27
